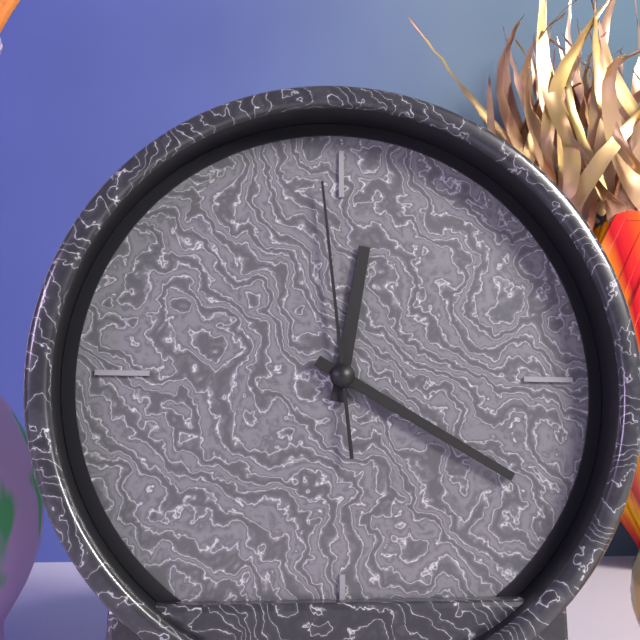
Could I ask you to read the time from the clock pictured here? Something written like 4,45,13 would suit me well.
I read 12,20,59
